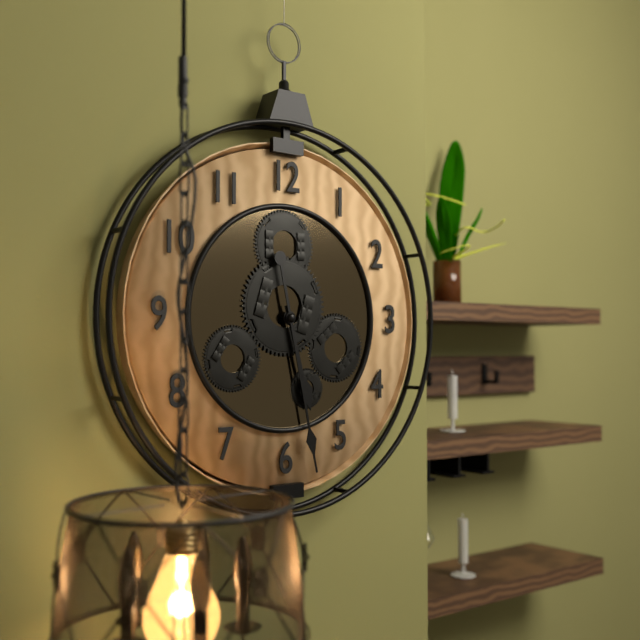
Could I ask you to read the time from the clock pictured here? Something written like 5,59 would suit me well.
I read 5,28
